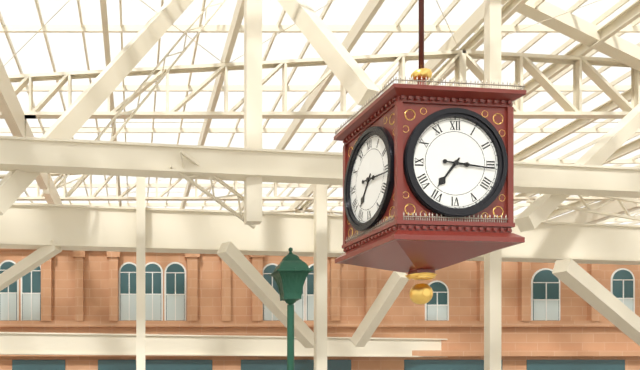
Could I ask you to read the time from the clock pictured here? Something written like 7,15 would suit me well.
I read 7,16
